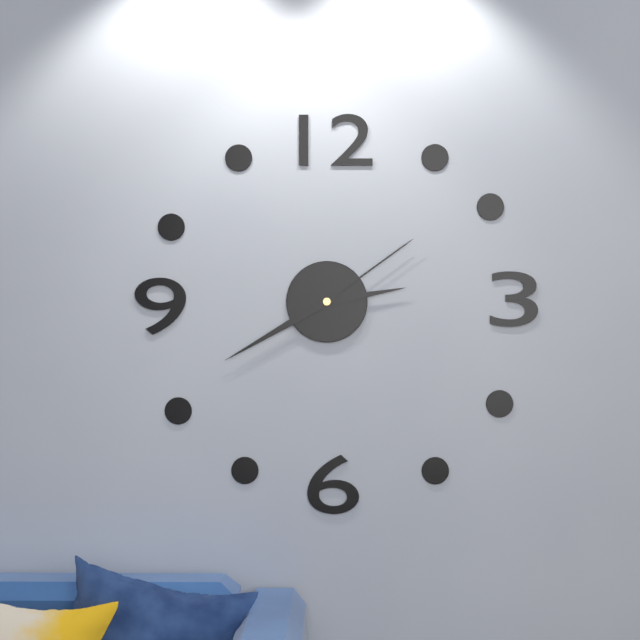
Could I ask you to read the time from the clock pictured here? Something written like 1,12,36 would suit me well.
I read 2,40,09
